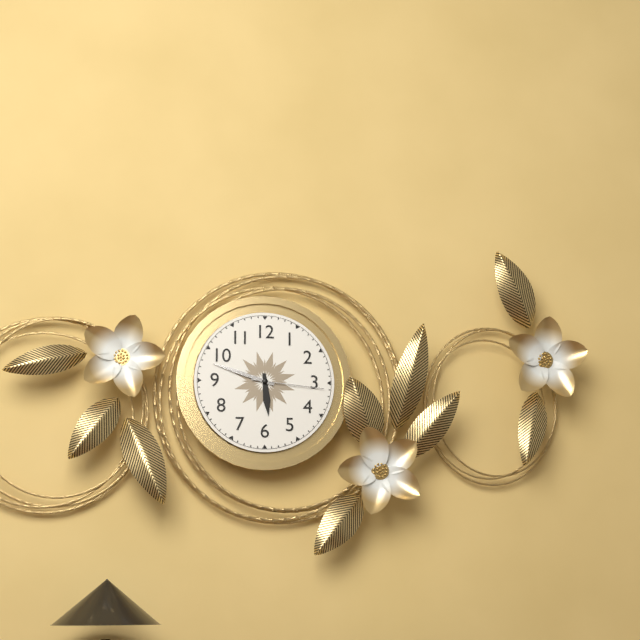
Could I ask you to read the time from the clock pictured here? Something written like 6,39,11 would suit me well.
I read 5,48,16
